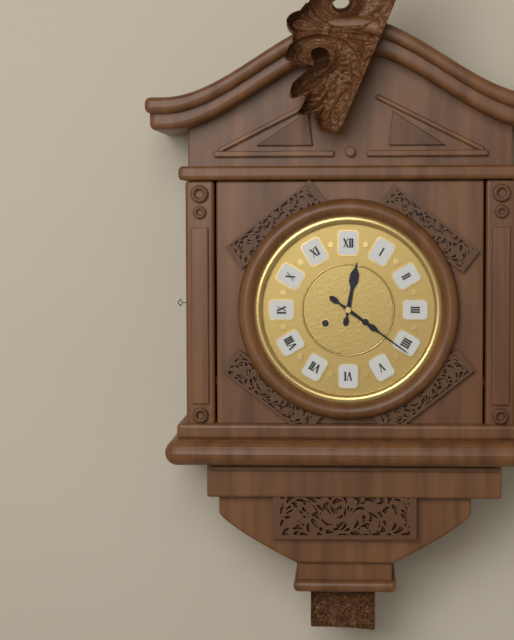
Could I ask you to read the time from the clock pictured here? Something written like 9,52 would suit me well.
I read 12,21
